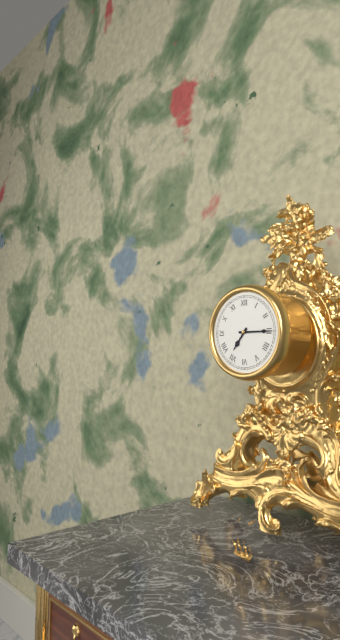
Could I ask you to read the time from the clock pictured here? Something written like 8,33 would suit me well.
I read 7,15
